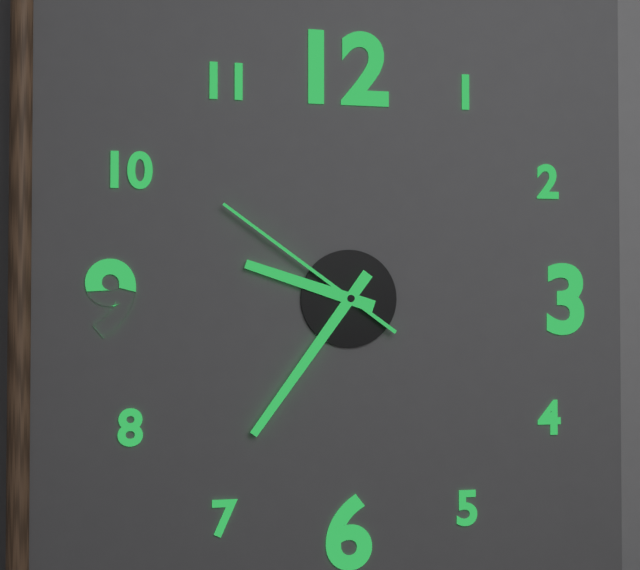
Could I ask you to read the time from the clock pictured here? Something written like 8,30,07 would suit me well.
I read 9,36,51
